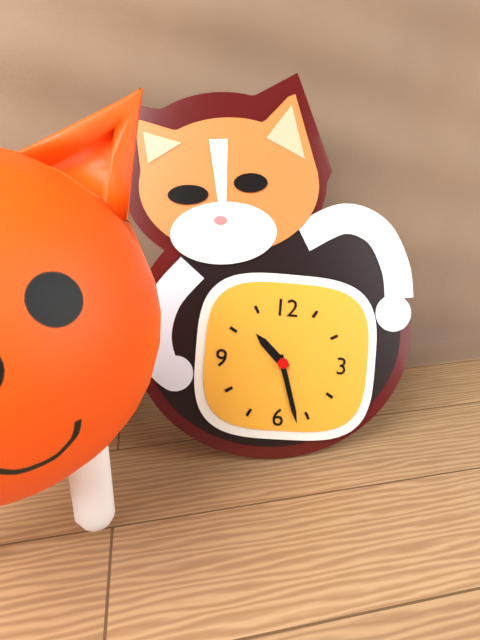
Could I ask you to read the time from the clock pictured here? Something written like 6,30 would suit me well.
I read 10,27
